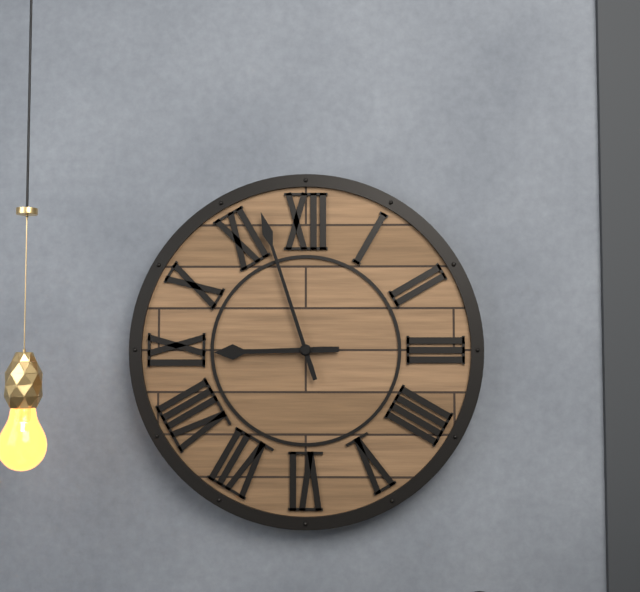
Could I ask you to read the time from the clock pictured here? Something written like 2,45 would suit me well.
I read 8,57
